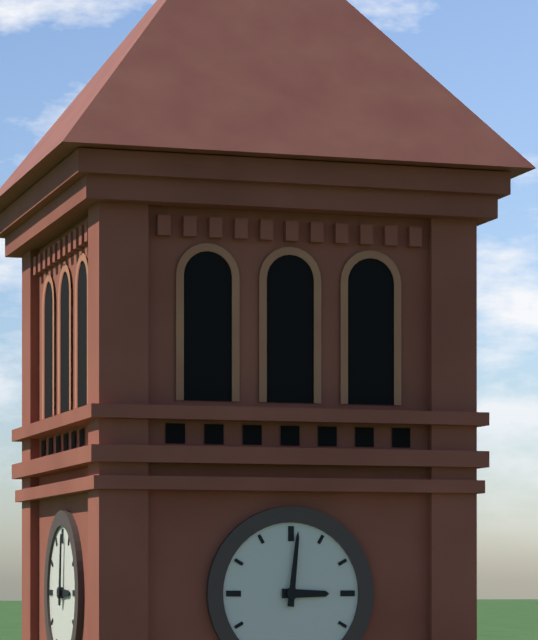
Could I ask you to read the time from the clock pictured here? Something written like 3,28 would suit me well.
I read 3,01
